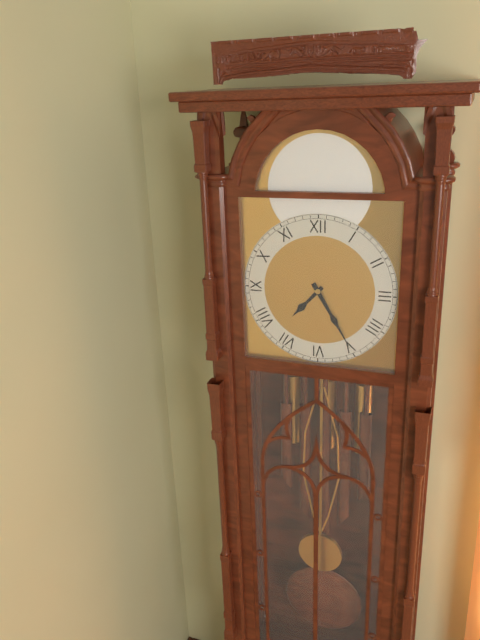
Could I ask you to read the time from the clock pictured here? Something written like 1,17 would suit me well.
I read 7,25
